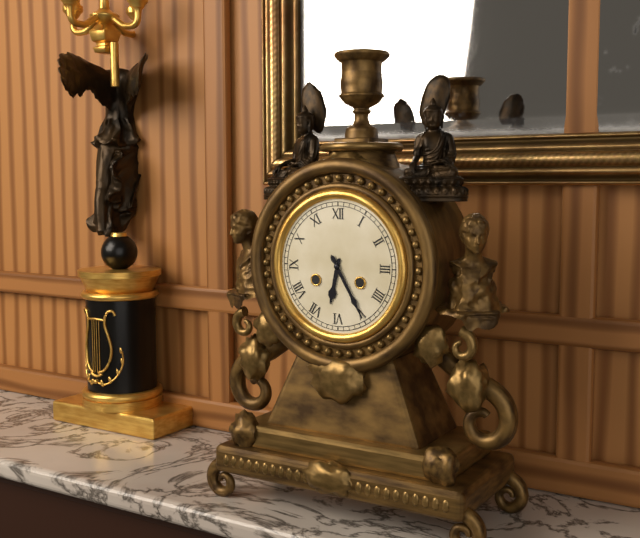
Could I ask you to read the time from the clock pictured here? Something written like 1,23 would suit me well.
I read 6,25
